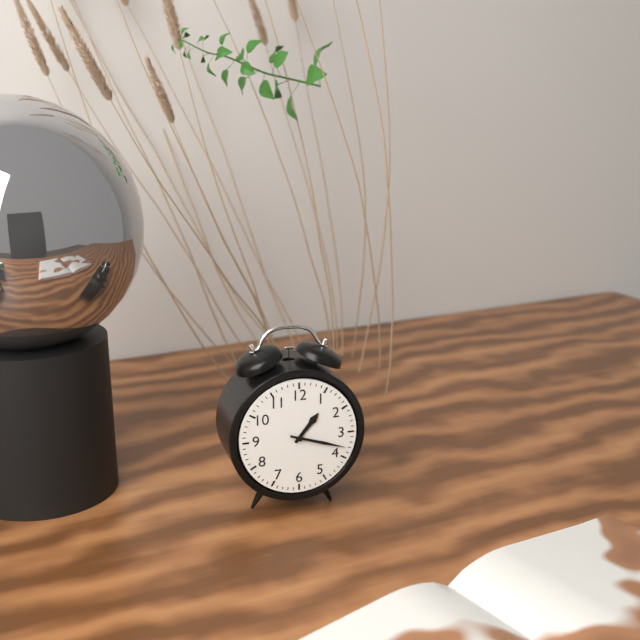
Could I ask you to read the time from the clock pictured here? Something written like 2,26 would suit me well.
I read 1,18
